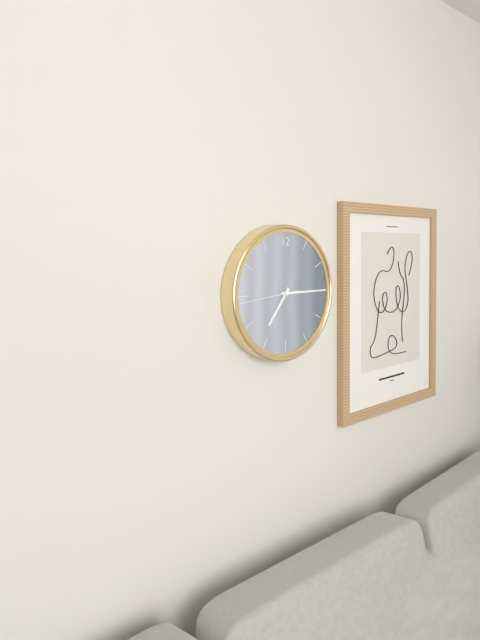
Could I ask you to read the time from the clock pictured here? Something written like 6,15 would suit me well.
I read 7,15
